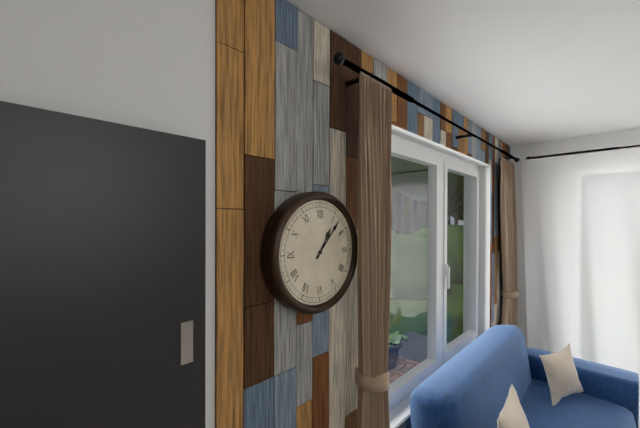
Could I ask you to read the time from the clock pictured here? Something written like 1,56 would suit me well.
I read 1,07
